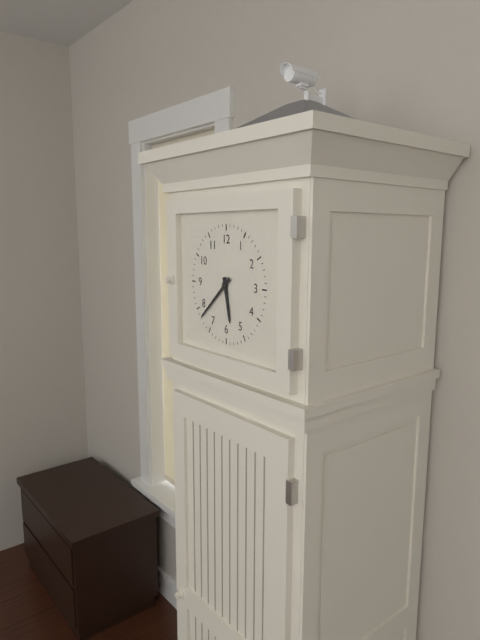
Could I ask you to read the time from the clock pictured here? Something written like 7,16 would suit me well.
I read 5,38
